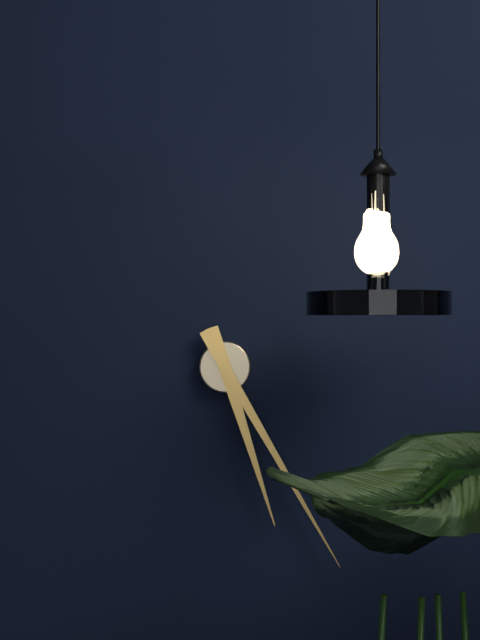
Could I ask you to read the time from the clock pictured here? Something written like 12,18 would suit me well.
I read 5,25
